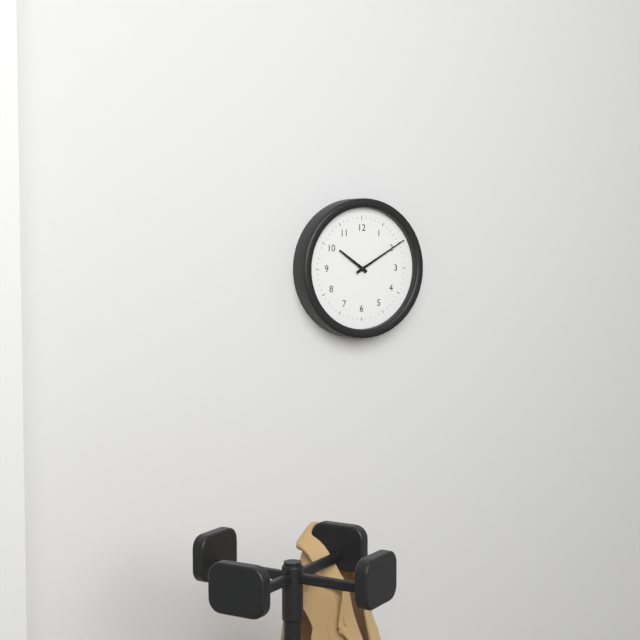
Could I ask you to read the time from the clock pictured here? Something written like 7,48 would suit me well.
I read 10,10
